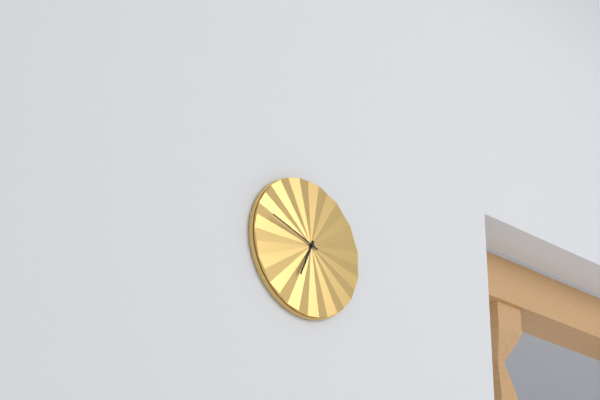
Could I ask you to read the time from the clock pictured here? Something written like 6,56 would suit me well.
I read 6,48
